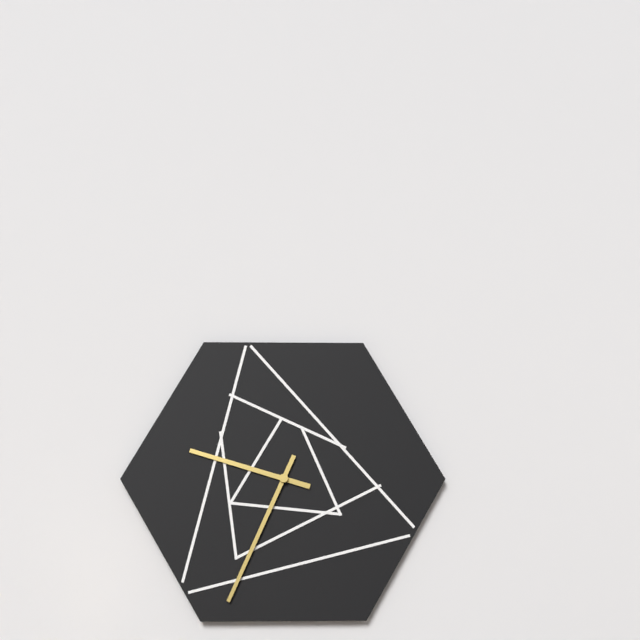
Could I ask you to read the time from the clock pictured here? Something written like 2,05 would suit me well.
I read 9,34
